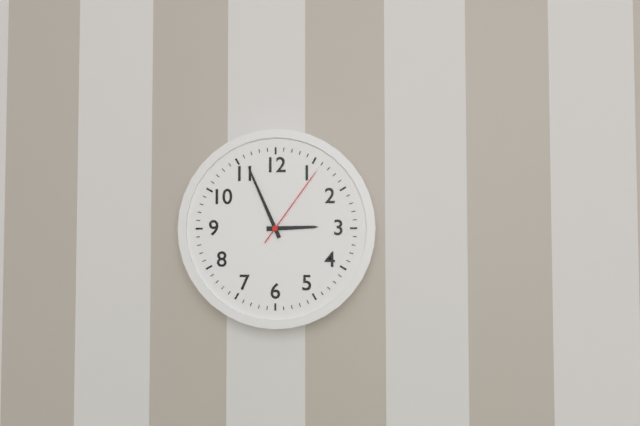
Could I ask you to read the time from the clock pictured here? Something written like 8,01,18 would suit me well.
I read 2,56,06
